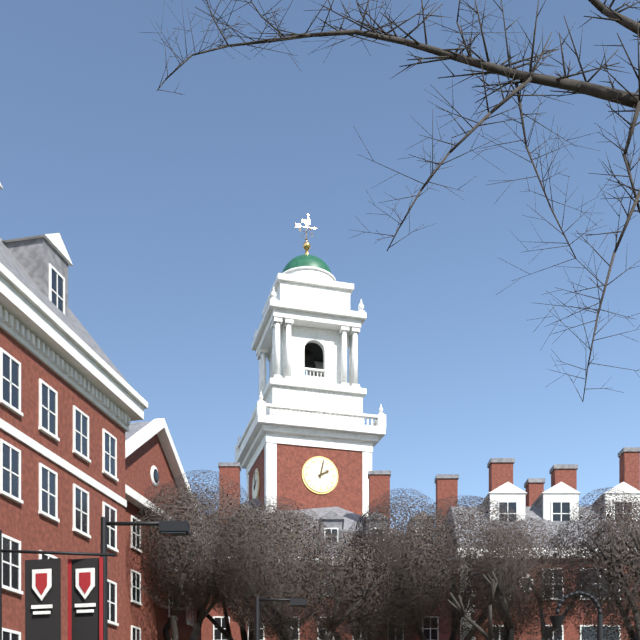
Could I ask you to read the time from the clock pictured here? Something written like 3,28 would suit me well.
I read 2,02
